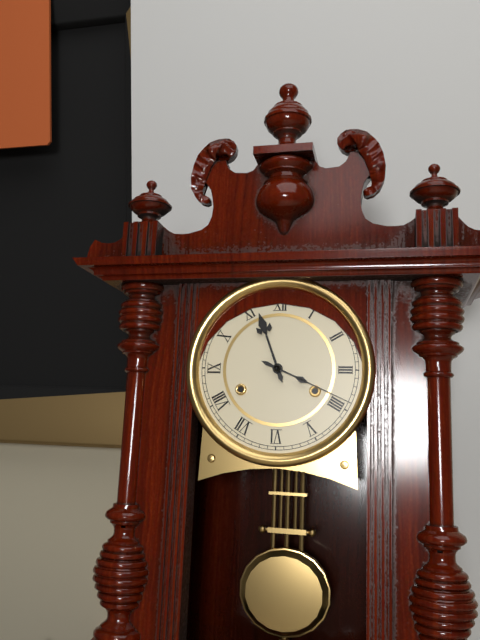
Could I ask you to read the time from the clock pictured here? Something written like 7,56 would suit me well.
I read 11,19
